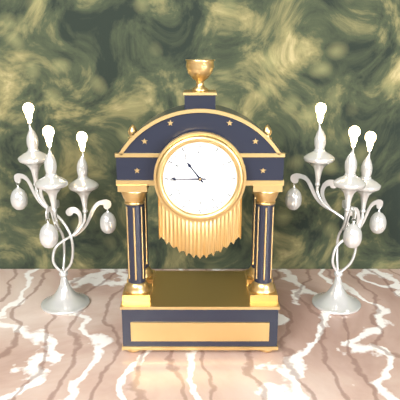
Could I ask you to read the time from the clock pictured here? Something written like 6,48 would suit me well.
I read 10,45
